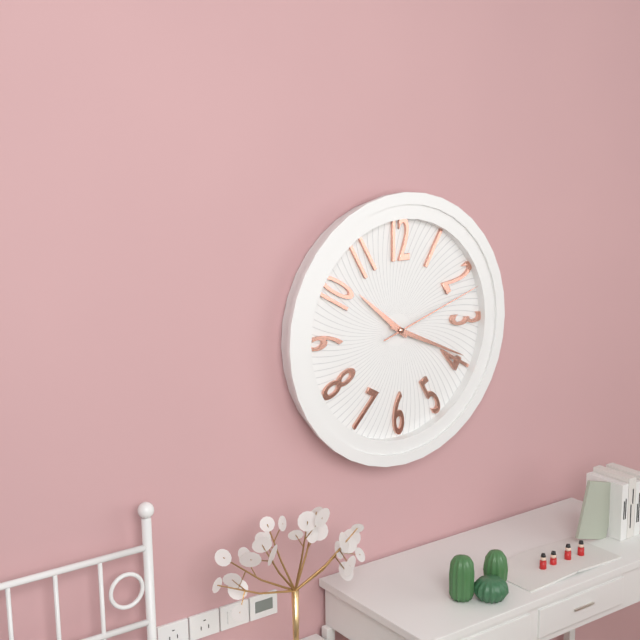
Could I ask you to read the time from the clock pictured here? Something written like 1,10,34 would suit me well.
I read 10,19,12
